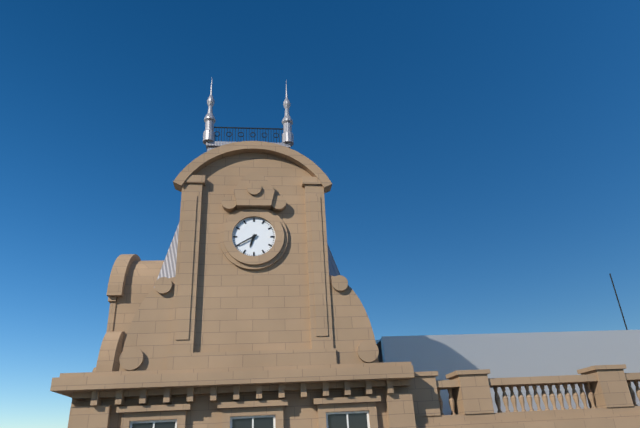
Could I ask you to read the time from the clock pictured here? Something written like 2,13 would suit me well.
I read 6,40
